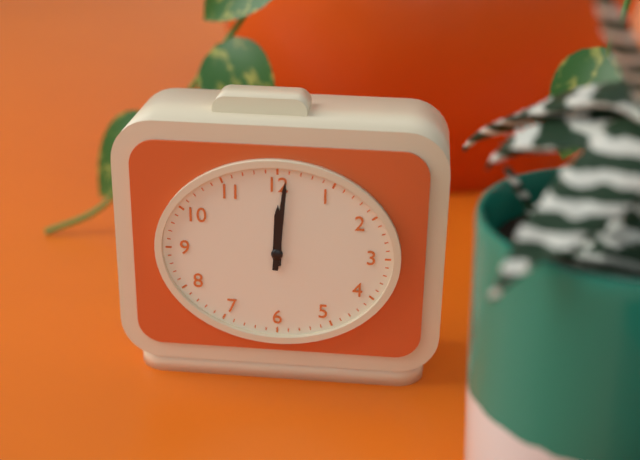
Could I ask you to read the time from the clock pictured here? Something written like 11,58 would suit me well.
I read 12,01
